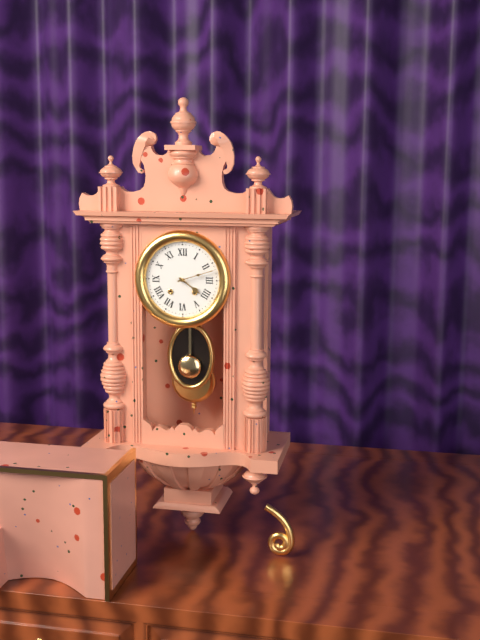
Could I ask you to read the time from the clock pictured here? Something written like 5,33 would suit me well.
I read 4,12
